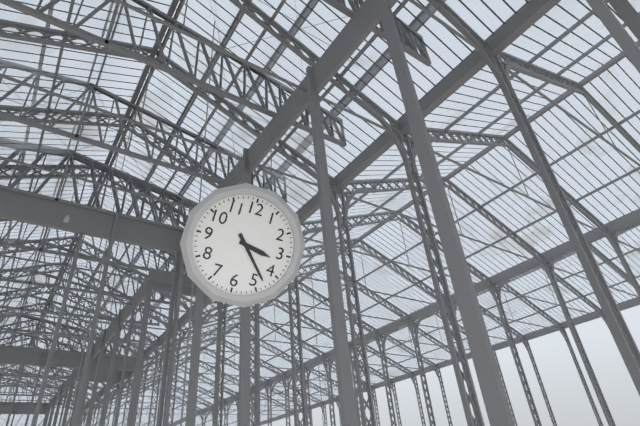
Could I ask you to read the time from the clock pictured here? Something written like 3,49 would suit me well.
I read 3,23
